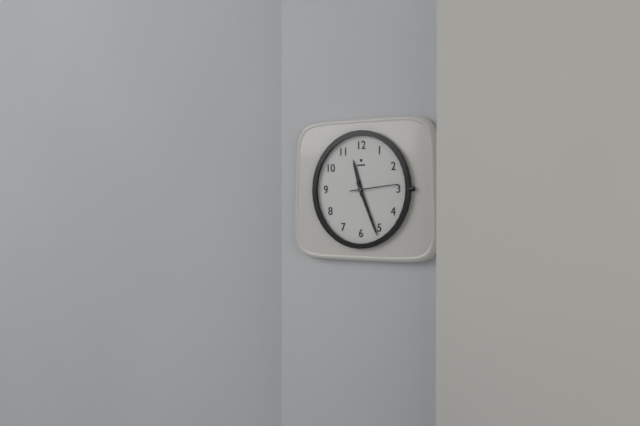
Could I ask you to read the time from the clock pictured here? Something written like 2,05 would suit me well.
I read 11,26
